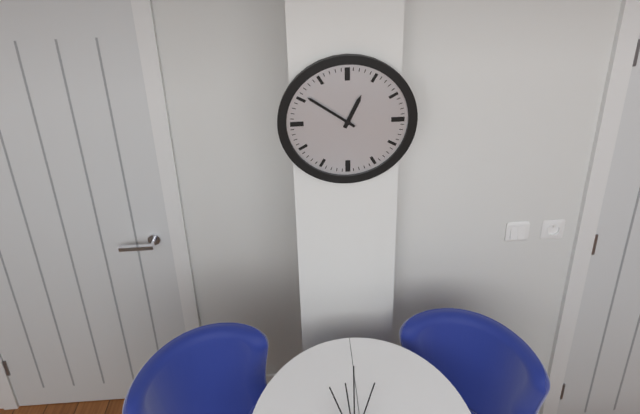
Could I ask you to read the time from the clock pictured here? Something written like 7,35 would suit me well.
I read 12,51
